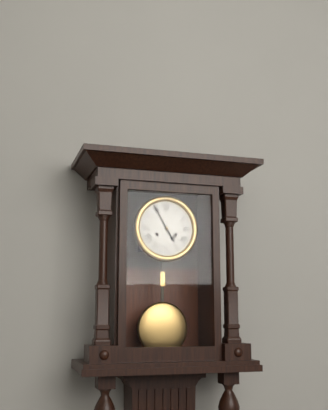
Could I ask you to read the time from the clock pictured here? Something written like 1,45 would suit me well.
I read 4,55
